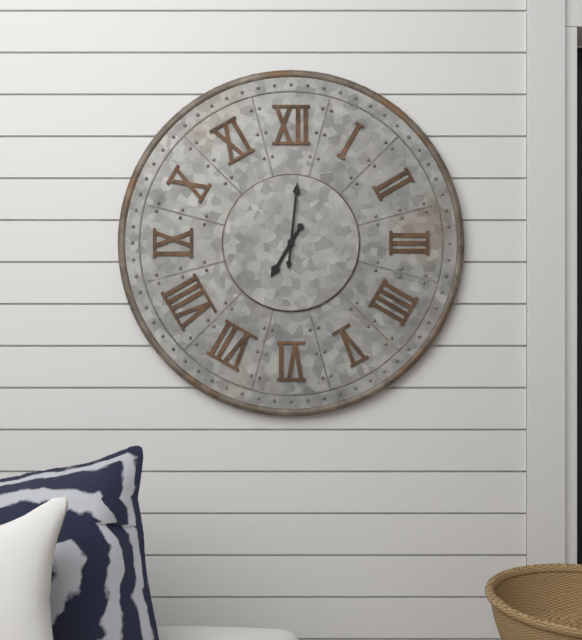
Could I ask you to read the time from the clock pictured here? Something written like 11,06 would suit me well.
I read 7,01
